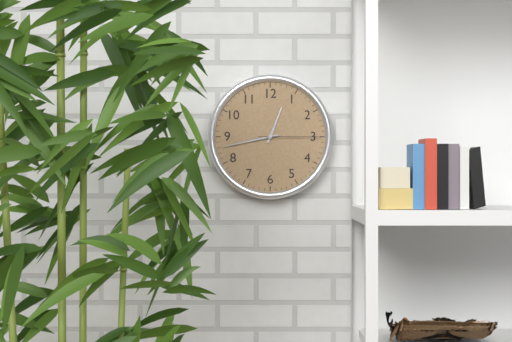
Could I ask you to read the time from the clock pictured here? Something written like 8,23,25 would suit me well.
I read 12,43,15
